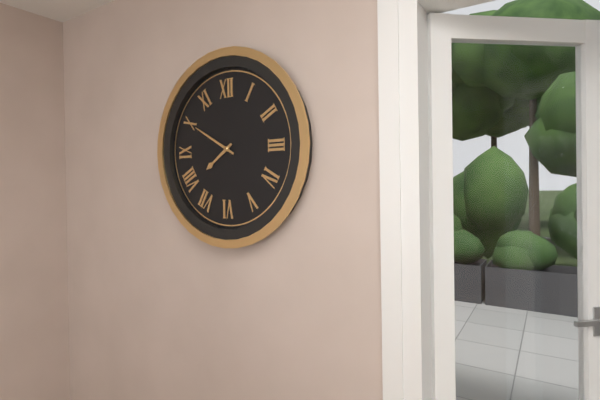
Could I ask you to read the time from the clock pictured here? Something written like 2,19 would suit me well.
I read 7,50
